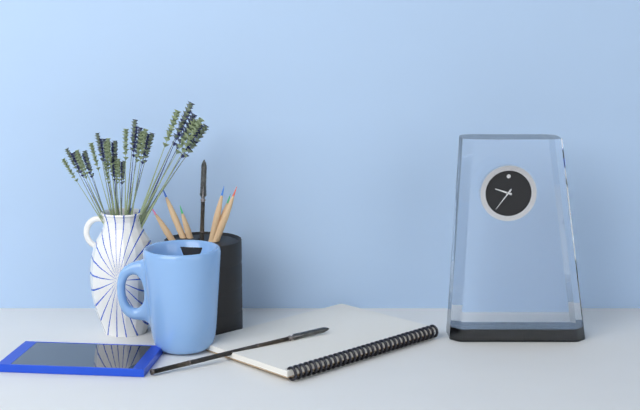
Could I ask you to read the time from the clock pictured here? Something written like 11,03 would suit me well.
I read 9,36
